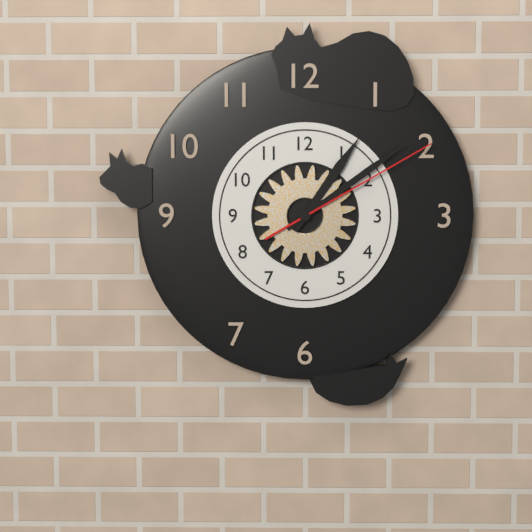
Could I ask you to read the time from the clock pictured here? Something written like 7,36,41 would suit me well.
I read 1,09,10
